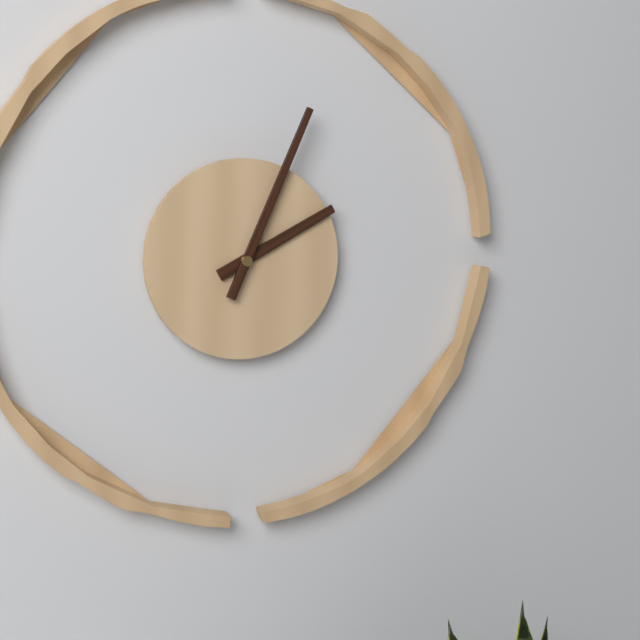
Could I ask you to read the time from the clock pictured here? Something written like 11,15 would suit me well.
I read 2,04
